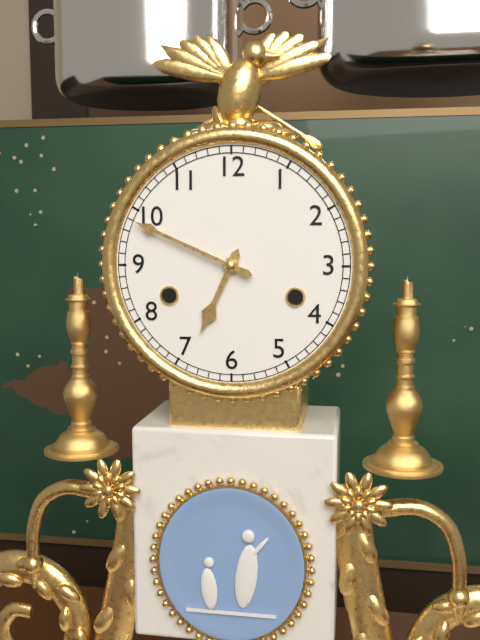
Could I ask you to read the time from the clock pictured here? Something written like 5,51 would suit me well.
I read 6,49
